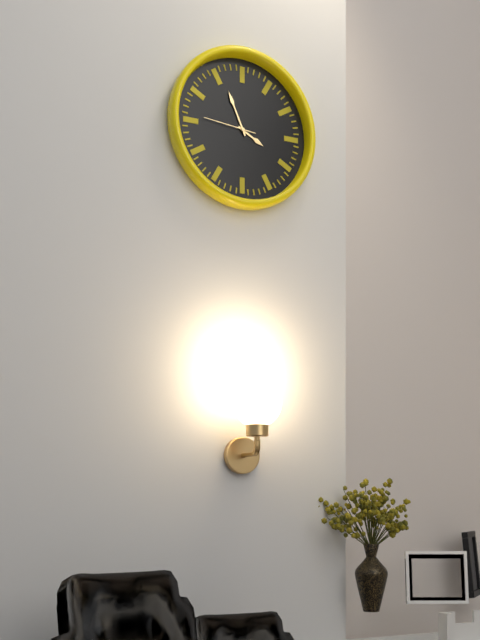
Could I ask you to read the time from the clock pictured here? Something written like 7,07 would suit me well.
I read 3,56
